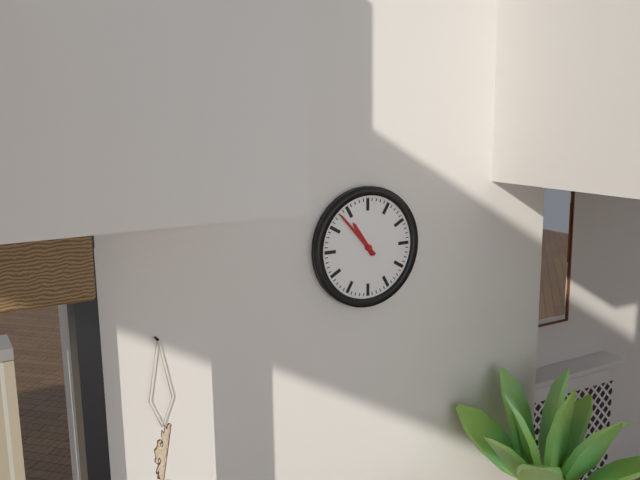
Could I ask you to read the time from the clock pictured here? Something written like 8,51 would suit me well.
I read 10,53
